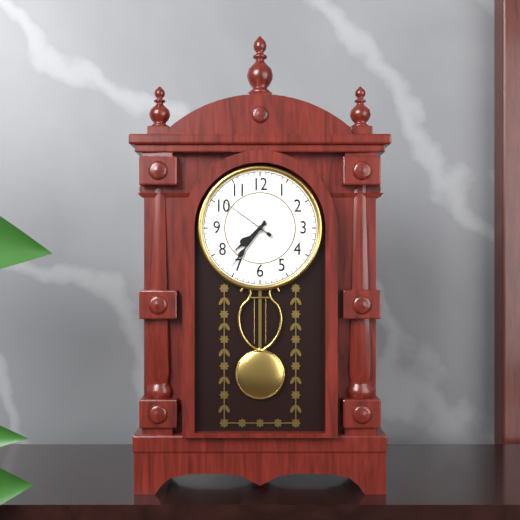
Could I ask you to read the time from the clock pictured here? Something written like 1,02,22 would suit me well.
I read 7,36,51
